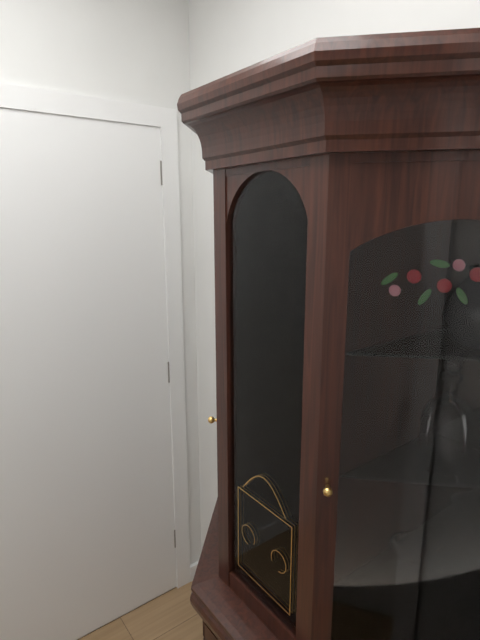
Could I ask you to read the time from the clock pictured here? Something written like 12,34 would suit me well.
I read 2,40
